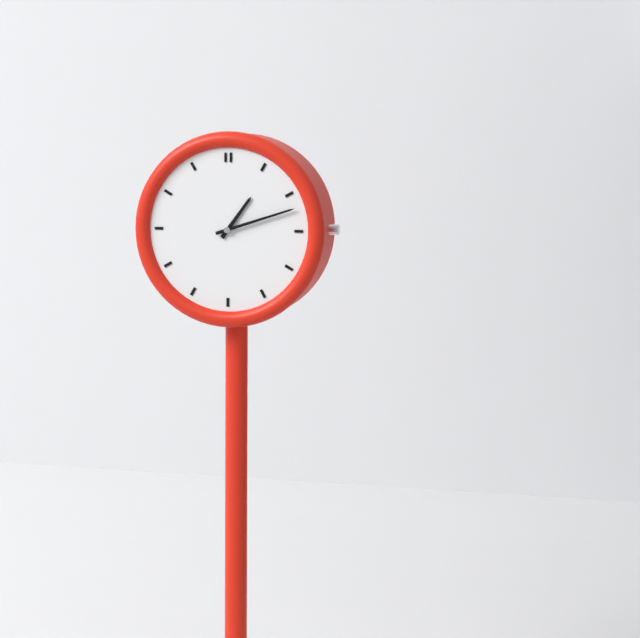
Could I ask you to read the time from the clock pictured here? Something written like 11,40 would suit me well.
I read 1,12
